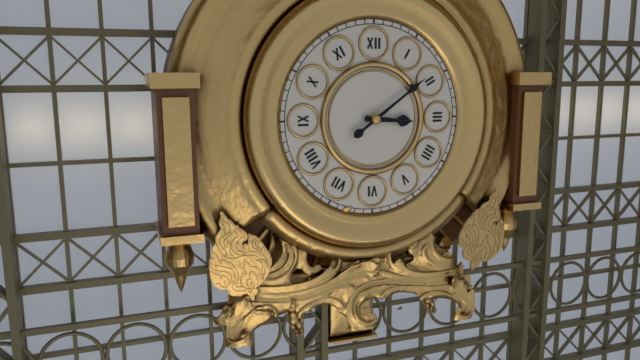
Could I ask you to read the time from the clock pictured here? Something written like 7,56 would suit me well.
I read 3,09
